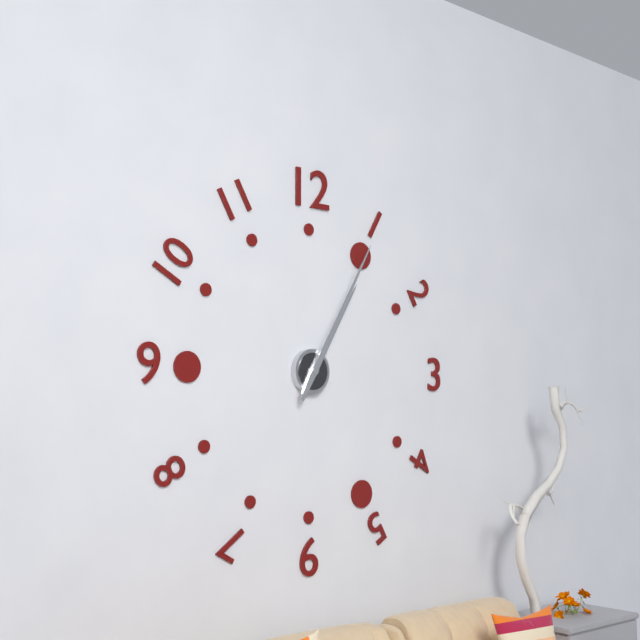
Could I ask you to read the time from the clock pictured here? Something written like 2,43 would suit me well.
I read 1,05
